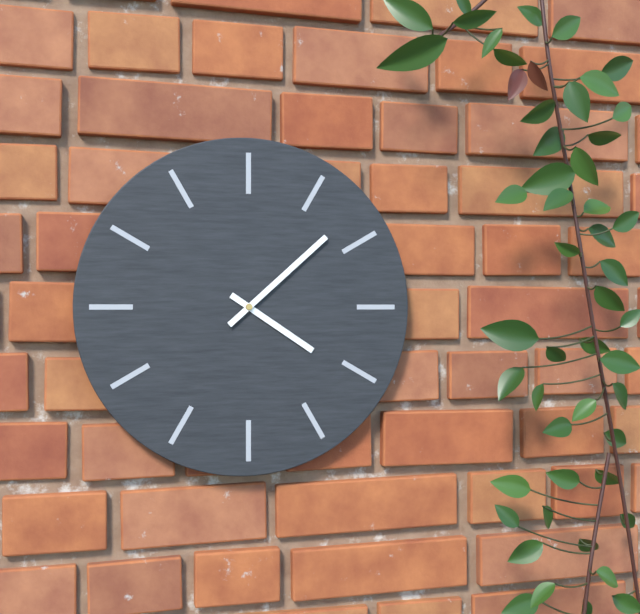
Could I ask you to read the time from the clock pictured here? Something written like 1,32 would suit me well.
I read 4,08
